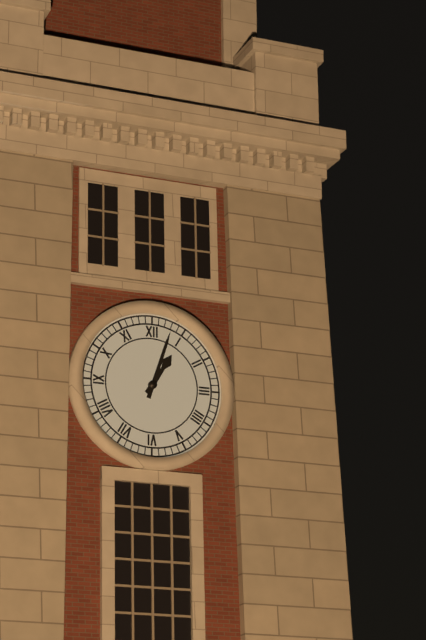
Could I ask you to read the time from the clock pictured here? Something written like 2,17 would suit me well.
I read 1,03
